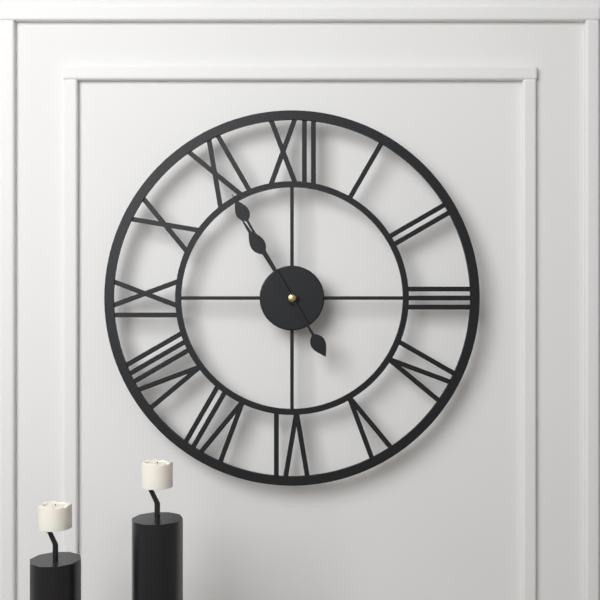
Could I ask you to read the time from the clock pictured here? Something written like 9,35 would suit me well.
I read 10,55
